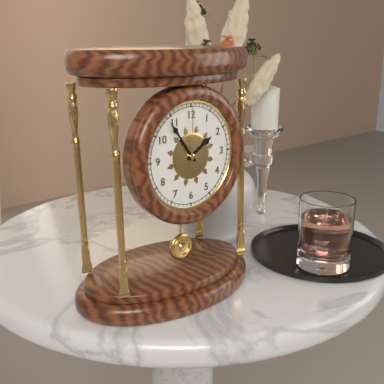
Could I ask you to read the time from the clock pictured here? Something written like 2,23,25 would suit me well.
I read 1,54,00
